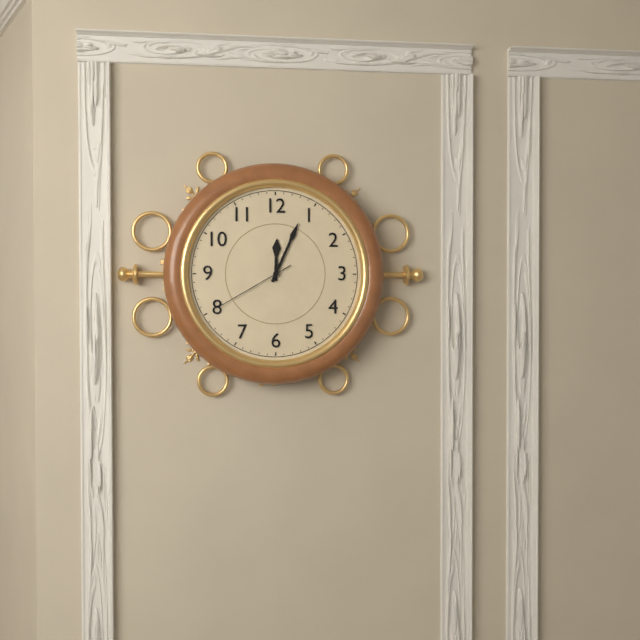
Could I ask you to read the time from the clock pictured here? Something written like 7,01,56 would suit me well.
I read 12,04,40
